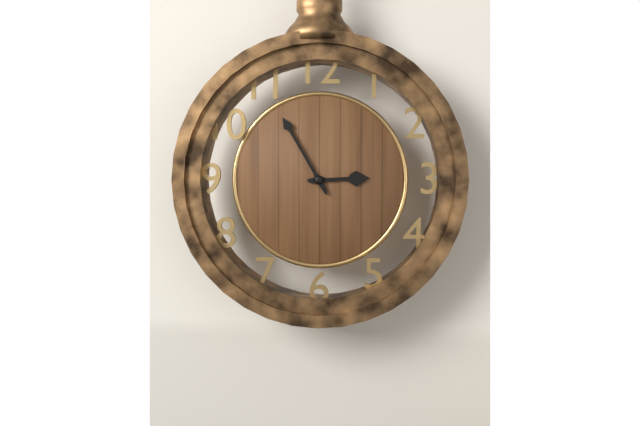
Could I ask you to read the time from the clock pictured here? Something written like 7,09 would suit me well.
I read 2,55
